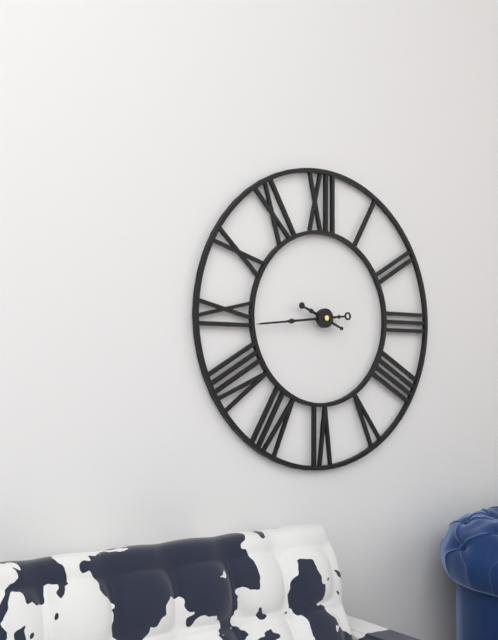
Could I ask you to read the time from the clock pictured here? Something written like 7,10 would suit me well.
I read 9,44
